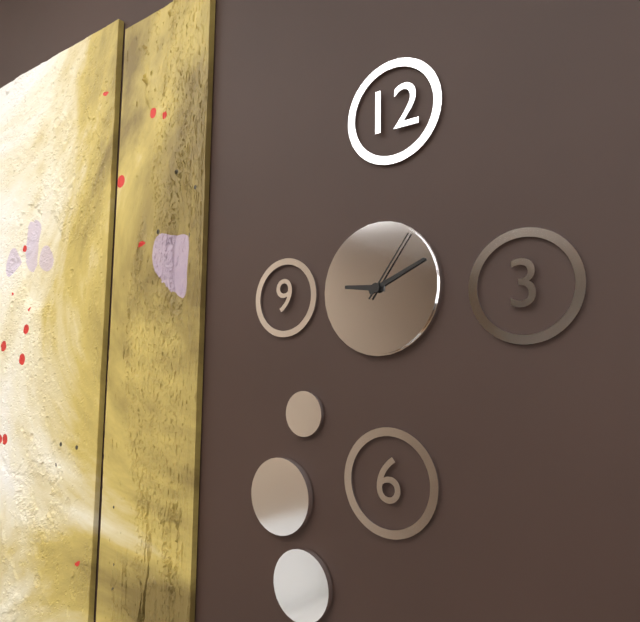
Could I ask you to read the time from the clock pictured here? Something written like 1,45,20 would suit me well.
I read 9,11,06
